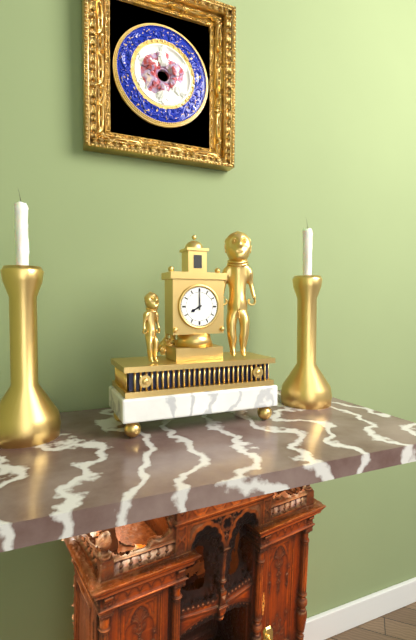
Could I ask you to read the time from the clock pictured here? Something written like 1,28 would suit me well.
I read 8,00
